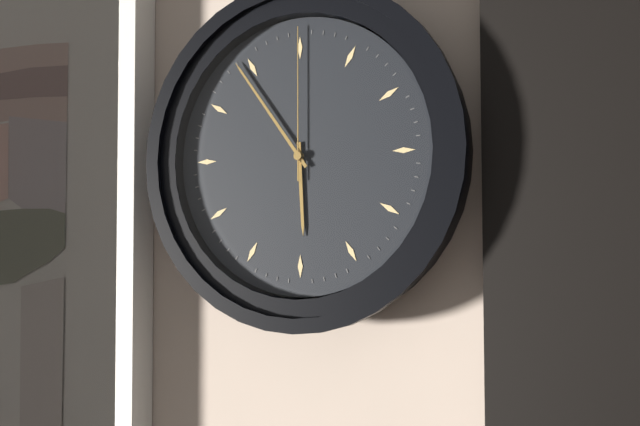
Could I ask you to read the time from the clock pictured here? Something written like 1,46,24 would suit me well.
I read 5,54,00
